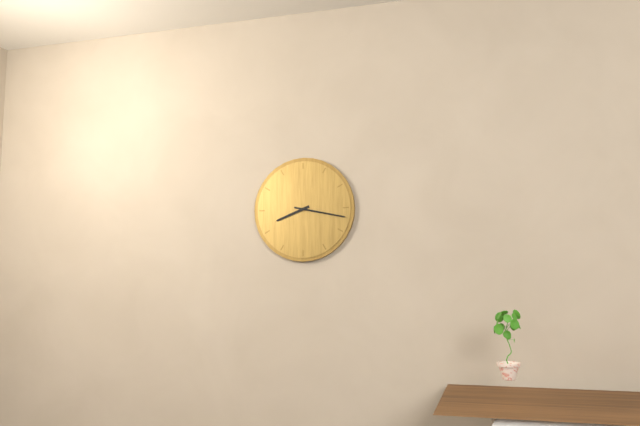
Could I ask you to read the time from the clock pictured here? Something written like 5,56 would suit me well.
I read 8,17
